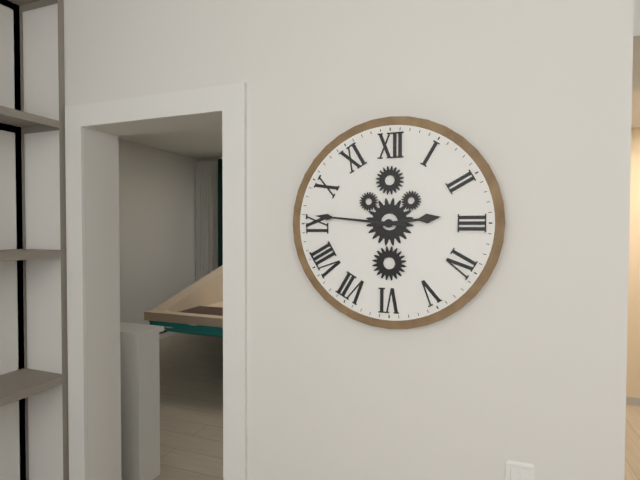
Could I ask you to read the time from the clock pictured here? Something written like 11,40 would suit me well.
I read 2,46
